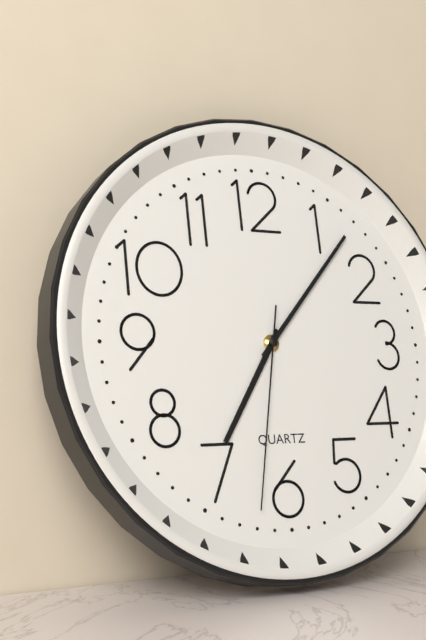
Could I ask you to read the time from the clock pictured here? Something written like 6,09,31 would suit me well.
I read 7,07,32
